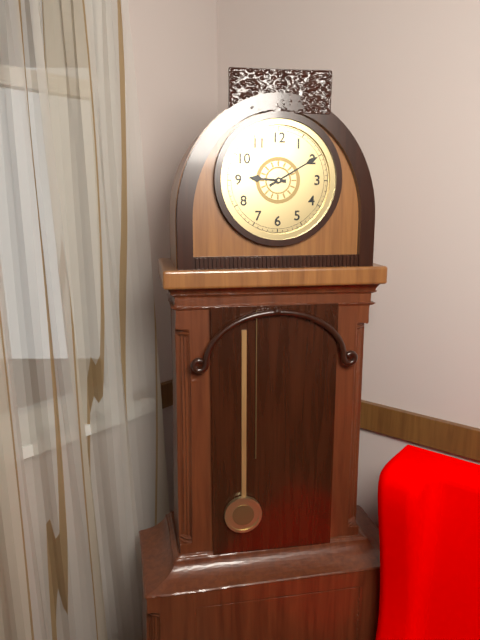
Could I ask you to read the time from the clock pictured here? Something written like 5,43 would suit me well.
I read 9,10
